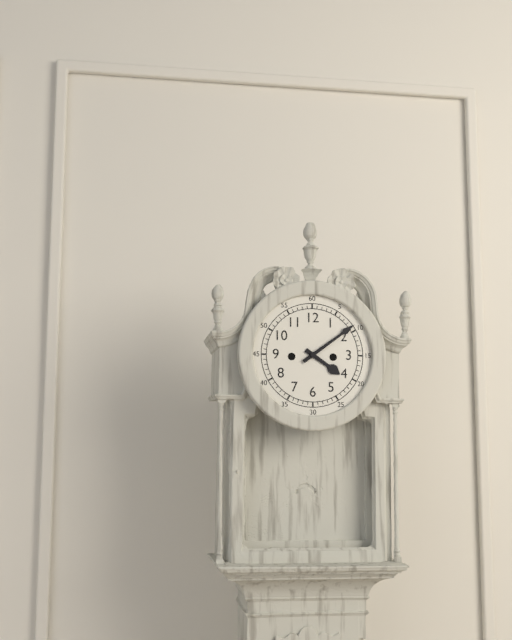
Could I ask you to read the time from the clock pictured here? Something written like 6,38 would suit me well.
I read 4,09
